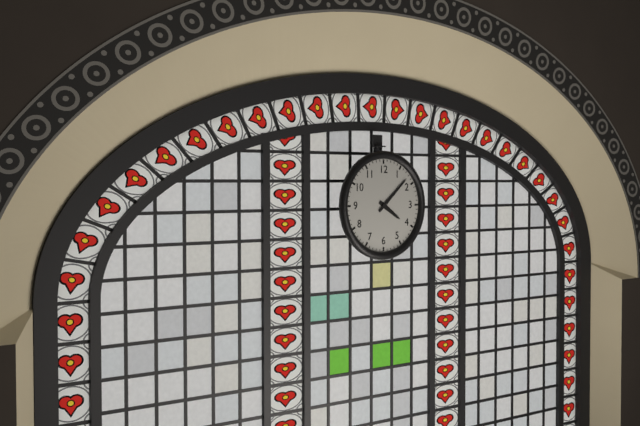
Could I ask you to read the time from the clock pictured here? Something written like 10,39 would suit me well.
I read 4,08
